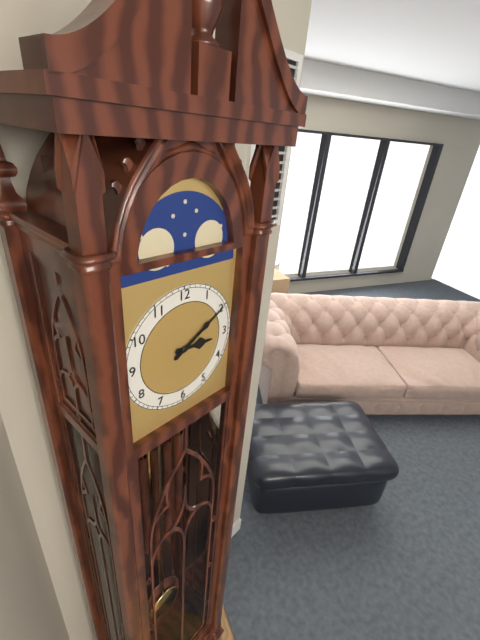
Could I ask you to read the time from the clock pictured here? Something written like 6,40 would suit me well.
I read 3,10
